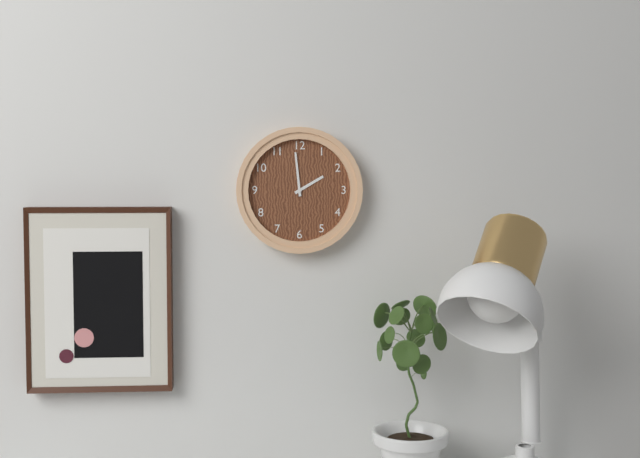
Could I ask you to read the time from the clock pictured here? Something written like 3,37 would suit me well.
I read 1,59
